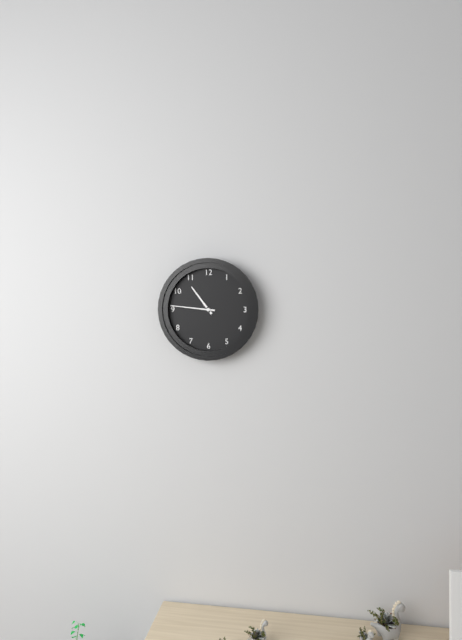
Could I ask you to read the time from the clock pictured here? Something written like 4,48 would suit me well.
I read 10,46
